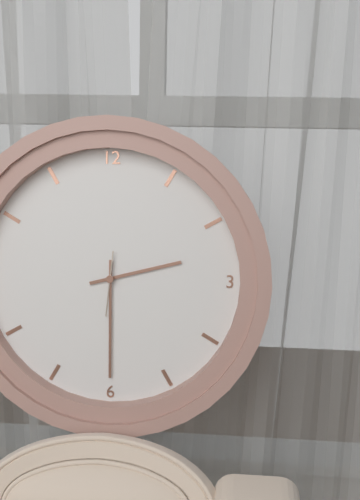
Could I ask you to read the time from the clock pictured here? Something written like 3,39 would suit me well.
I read 2,30
